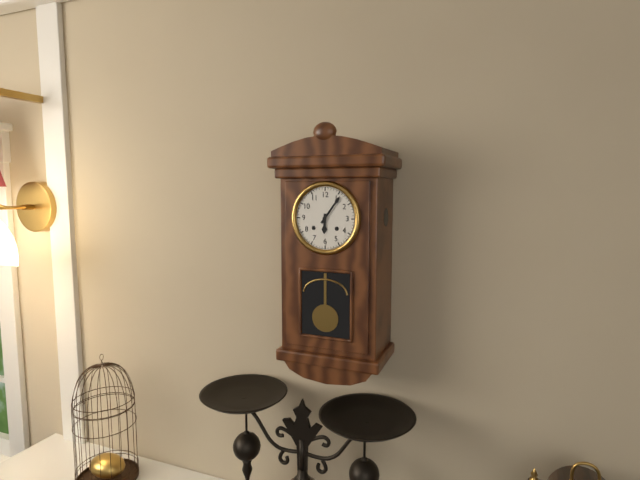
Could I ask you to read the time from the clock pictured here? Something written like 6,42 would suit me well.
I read 6,06
